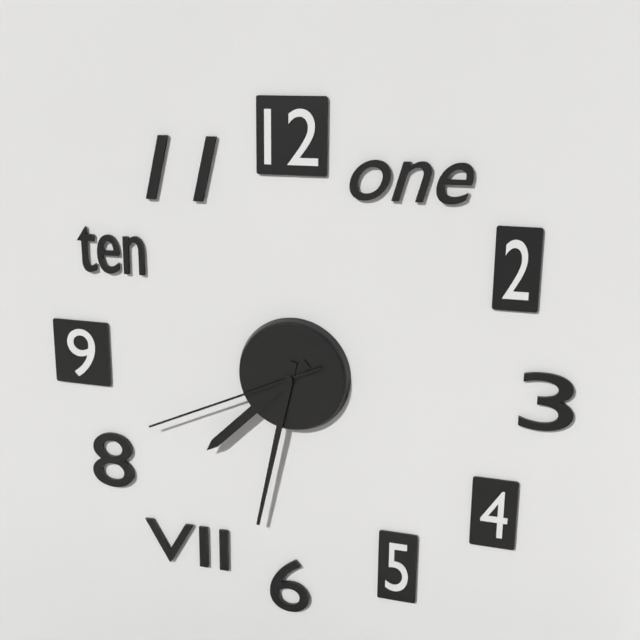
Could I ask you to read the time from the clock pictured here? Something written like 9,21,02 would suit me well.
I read 7,32,41
